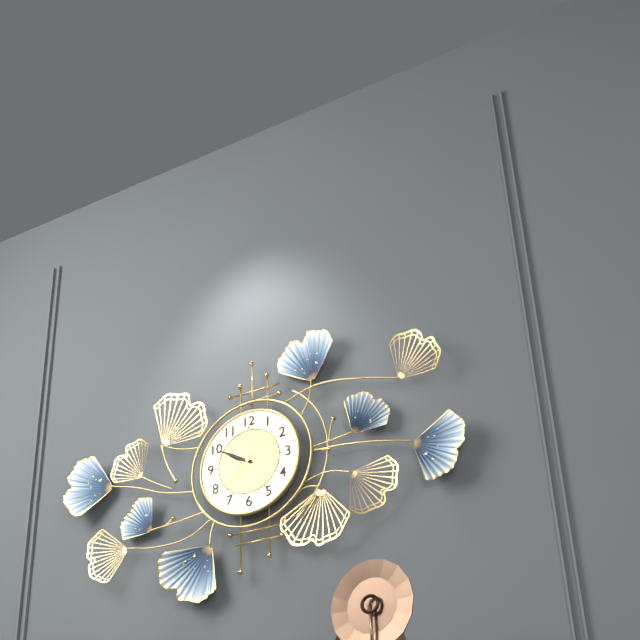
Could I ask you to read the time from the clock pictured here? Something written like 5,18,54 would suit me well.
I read 9,50,38
